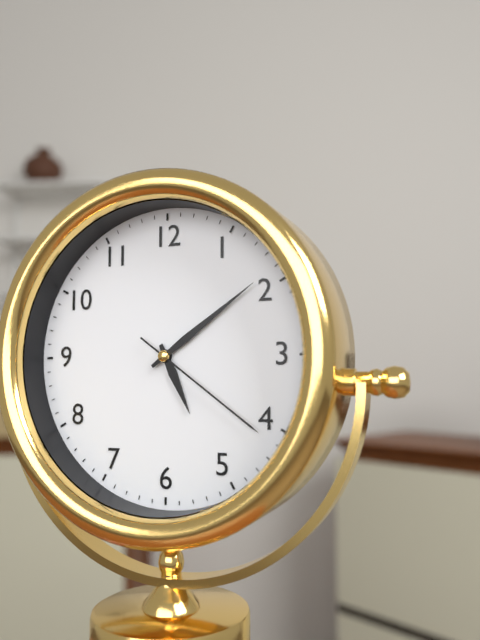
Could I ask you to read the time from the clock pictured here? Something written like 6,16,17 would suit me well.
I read 5,09,21
